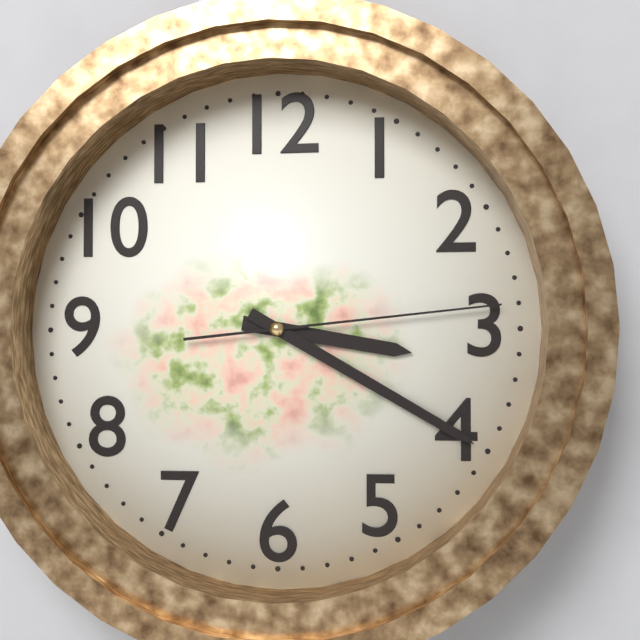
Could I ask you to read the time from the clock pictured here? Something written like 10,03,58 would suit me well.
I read 3,20,14
